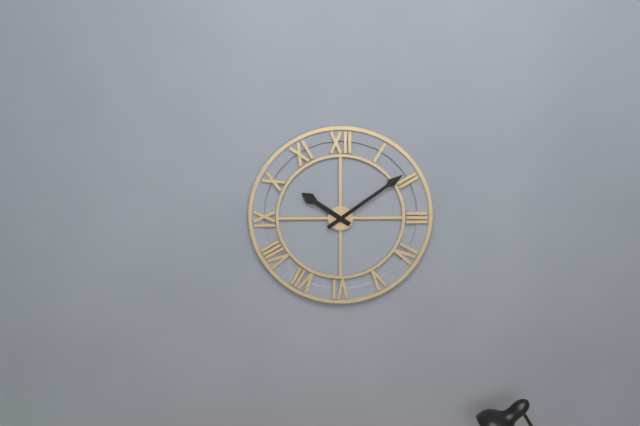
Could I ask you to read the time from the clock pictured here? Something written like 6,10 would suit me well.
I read 10,09
